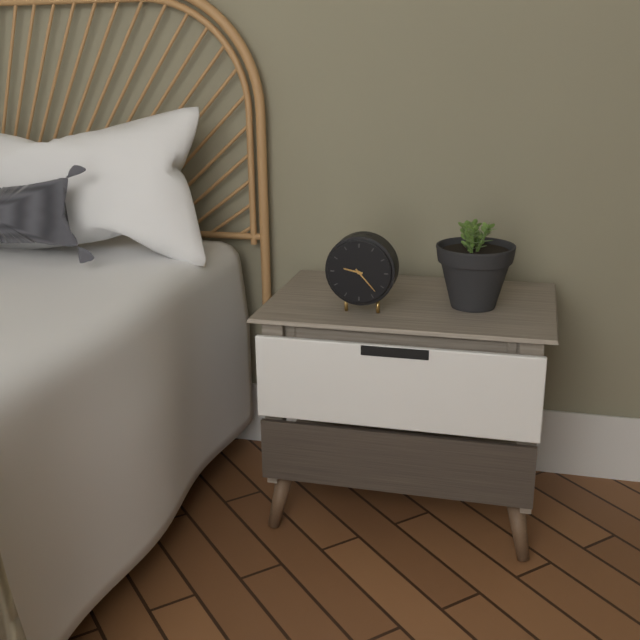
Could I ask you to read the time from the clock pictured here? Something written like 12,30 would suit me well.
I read 9,23
